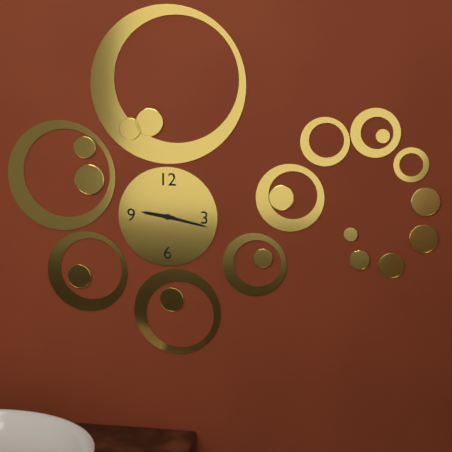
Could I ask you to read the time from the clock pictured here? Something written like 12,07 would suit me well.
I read 9,17
